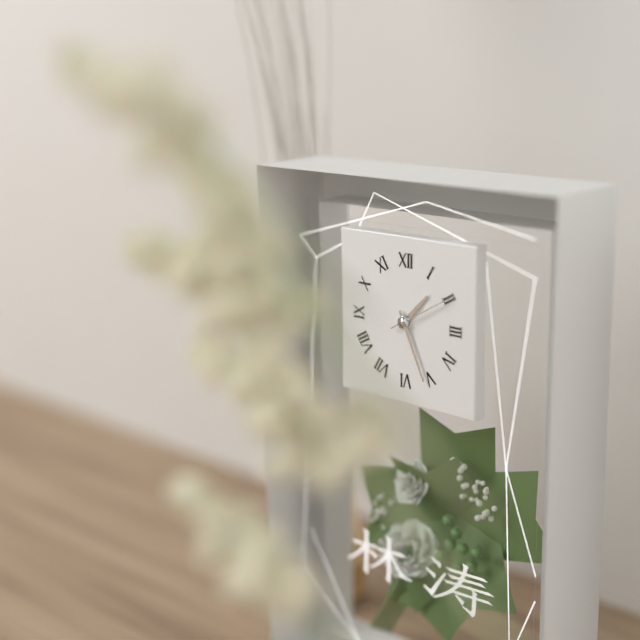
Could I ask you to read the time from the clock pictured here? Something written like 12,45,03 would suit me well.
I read 1,26,10
